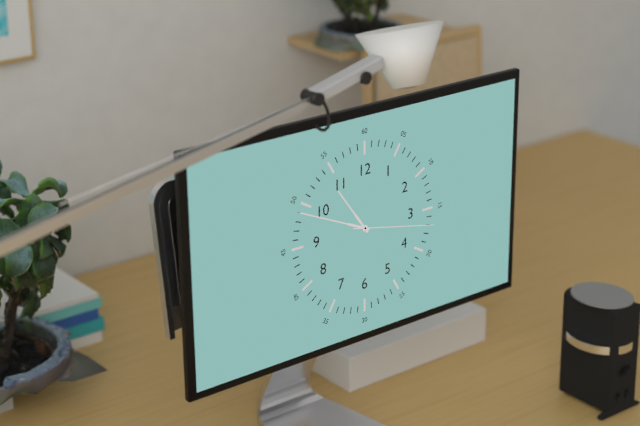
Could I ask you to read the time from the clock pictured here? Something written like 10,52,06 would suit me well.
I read 10,49,17
